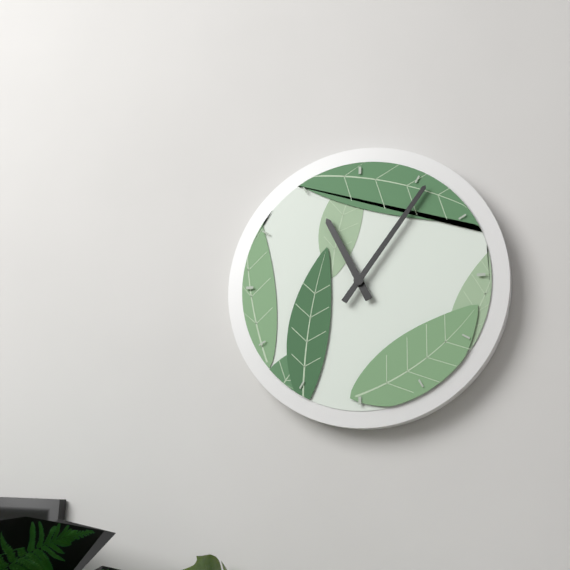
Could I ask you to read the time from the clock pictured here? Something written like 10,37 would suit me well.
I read 11,06
